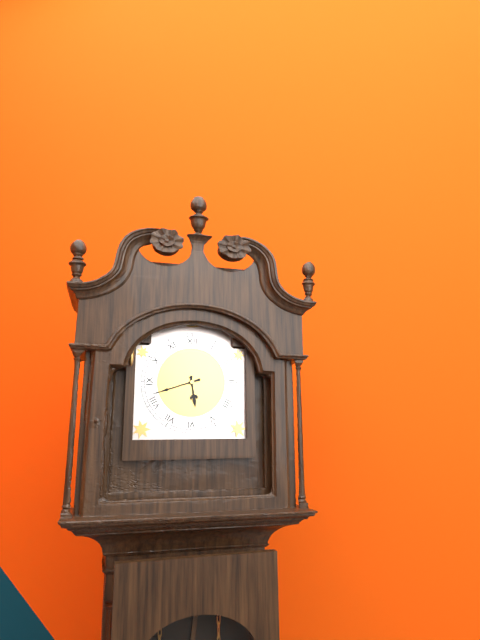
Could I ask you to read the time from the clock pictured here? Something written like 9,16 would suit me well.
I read 5,42
